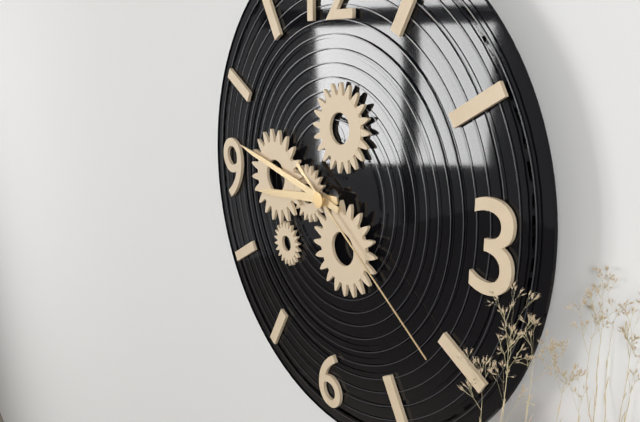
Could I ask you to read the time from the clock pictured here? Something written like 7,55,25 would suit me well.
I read 8,47,21
